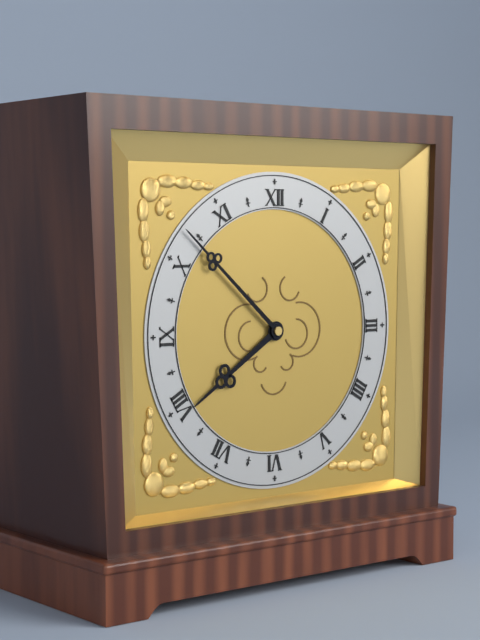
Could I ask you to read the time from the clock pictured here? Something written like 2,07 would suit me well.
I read 7,52
